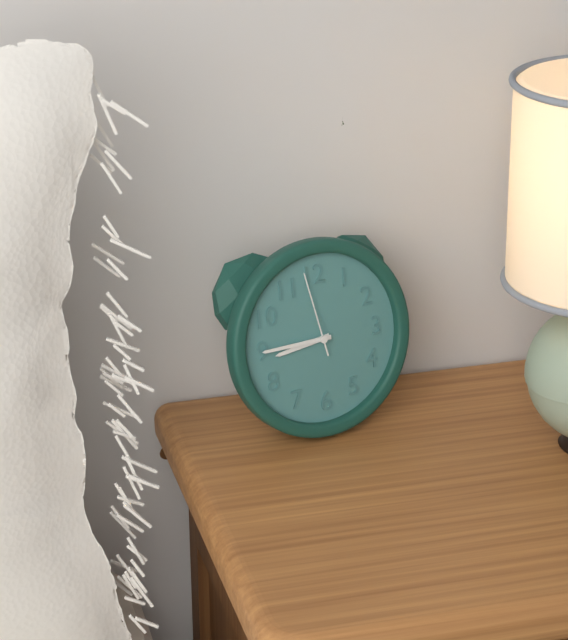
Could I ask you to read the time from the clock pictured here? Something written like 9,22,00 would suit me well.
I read 8,45,58
